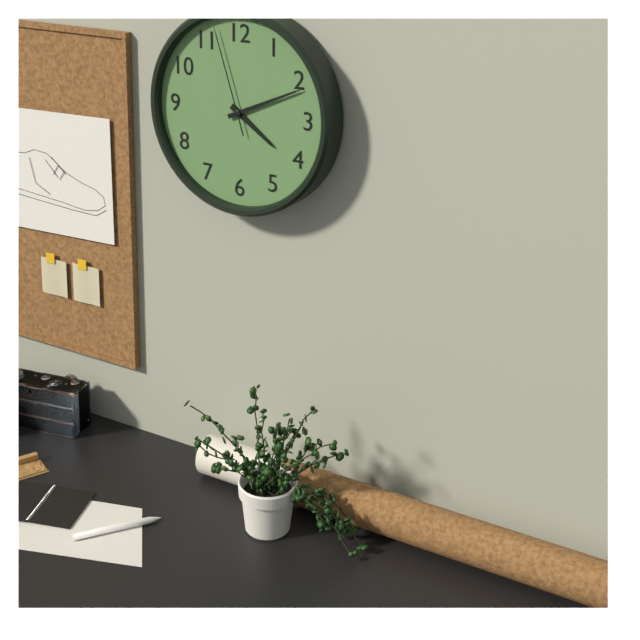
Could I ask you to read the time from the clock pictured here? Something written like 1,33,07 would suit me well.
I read 4,11,57
